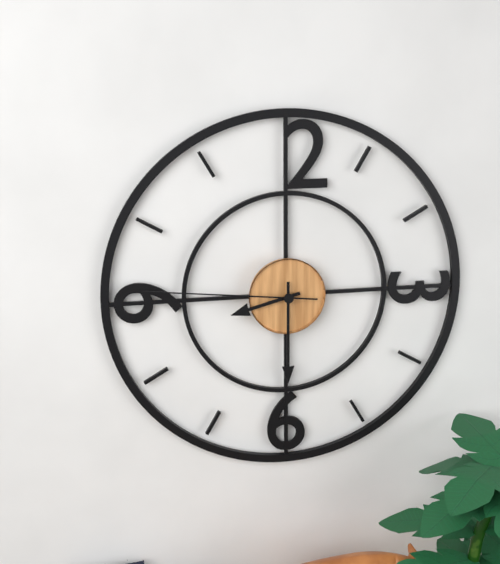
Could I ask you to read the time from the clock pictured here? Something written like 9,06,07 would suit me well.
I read 8,30,46
